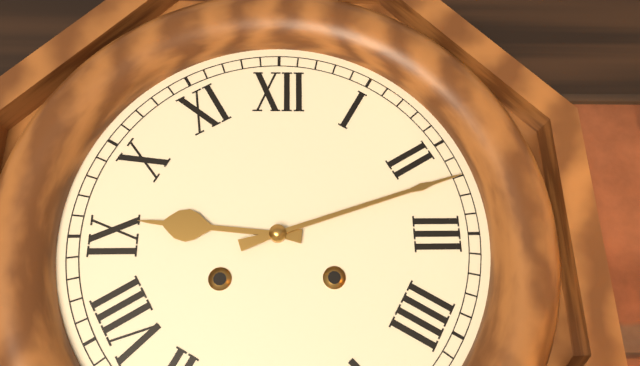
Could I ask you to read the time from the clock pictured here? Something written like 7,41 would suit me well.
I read 9,12
